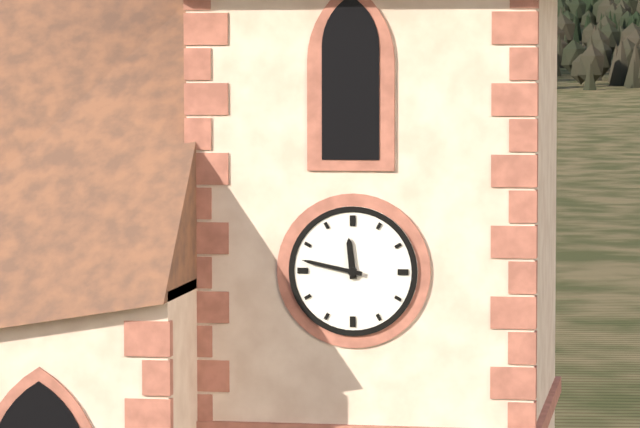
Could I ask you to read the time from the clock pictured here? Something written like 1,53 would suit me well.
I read 11,47
